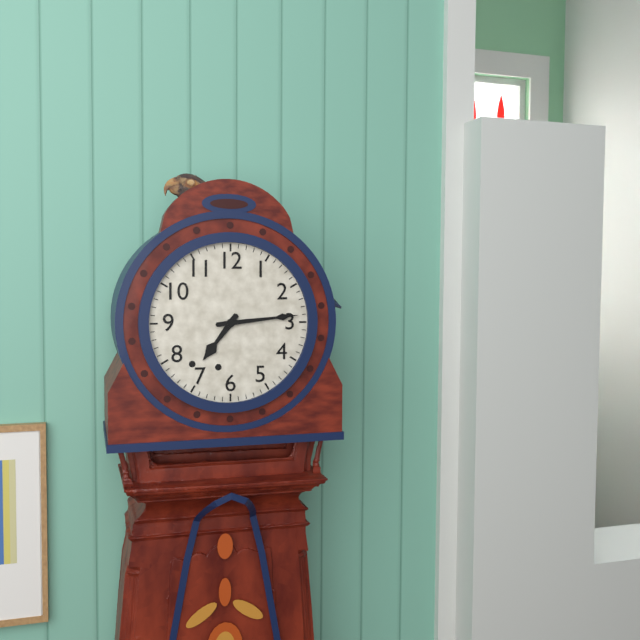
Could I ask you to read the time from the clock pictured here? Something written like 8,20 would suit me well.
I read 7,14
